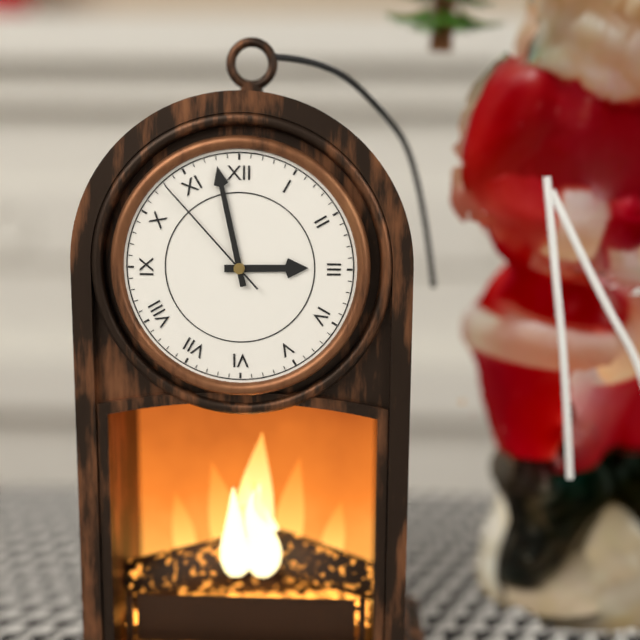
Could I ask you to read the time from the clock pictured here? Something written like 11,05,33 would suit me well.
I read 2,58,53
